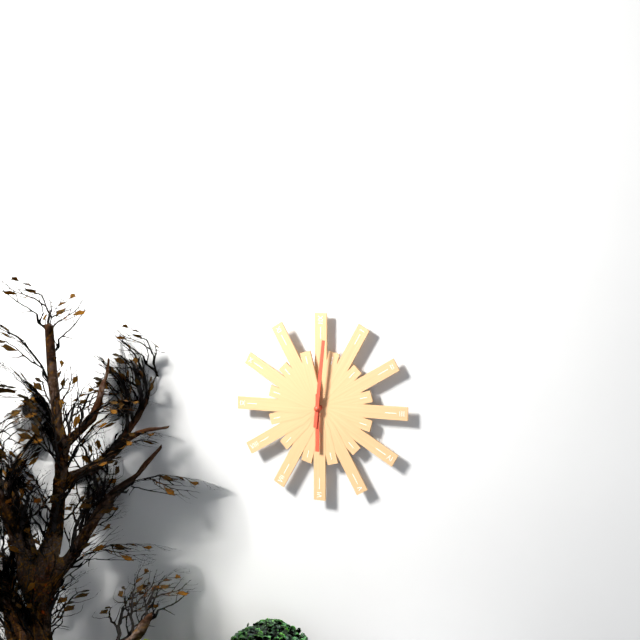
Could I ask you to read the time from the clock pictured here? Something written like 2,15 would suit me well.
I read 6,01
